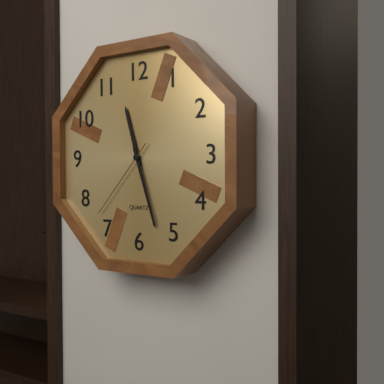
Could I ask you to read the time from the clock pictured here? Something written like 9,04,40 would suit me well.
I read 11,27,37
